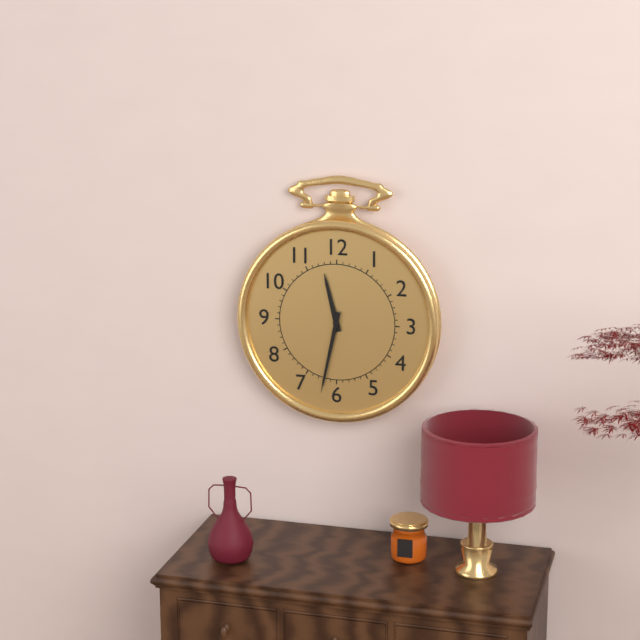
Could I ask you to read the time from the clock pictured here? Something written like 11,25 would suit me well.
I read 11,32
